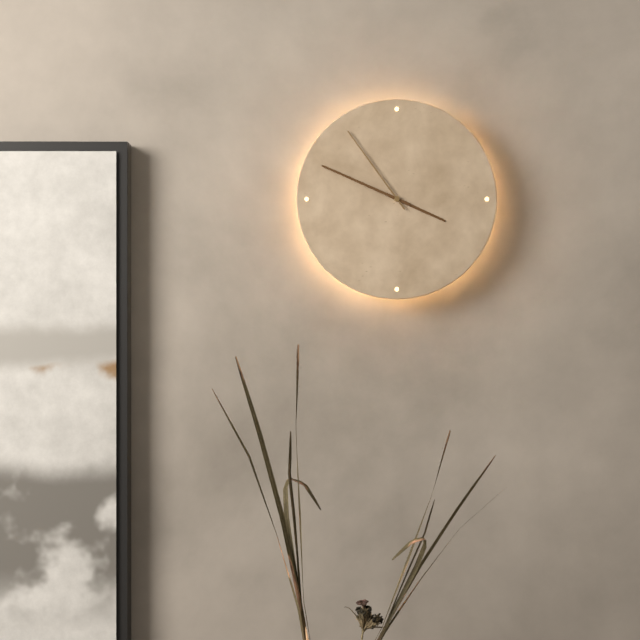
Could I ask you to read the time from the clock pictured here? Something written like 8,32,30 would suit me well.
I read 3,49,54
